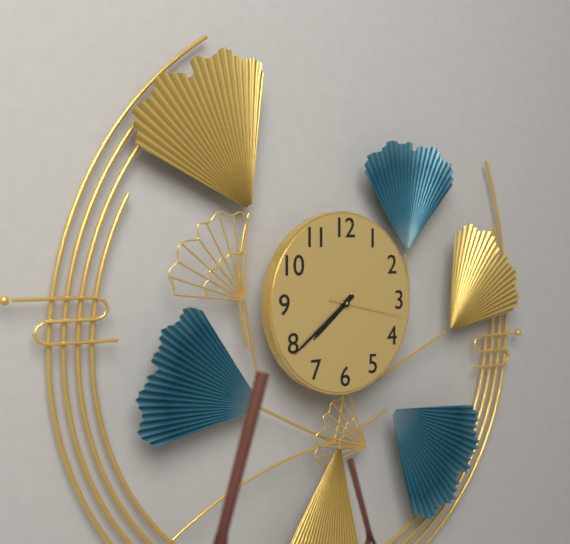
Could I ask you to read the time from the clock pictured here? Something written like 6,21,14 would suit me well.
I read 7,39,17
